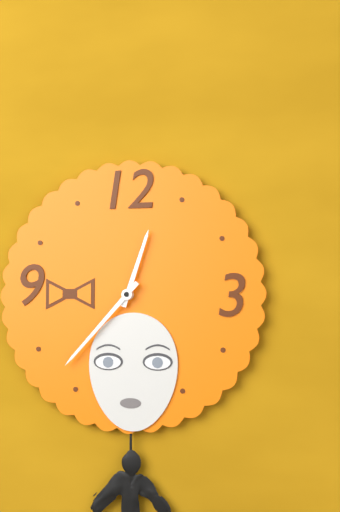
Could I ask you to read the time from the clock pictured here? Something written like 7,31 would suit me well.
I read 12,37
